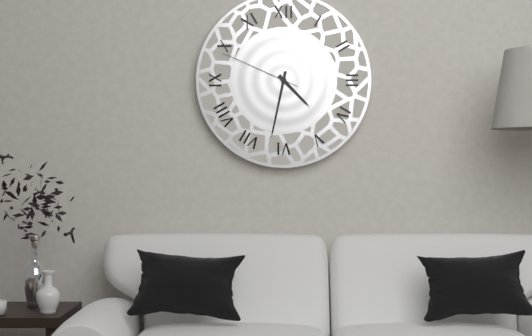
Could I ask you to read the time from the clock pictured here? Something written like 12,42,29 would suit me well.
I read 4,32,49
